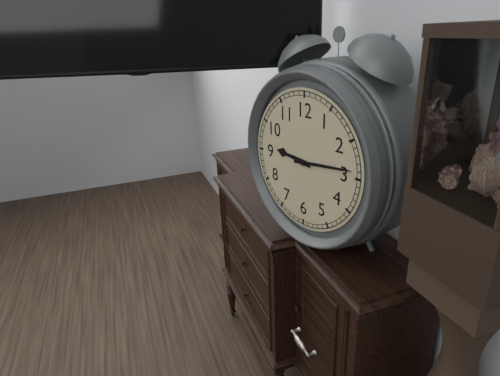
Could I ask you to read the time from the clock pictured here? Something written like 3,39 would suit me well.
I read 9,14
